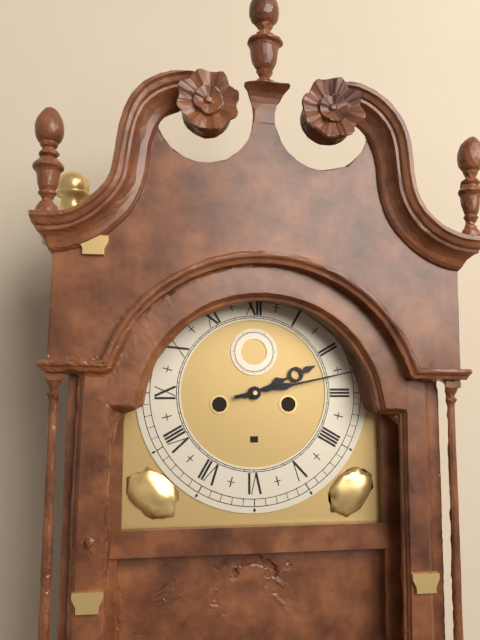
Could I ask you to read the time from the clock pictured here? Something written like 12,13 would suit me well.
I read 2,13
